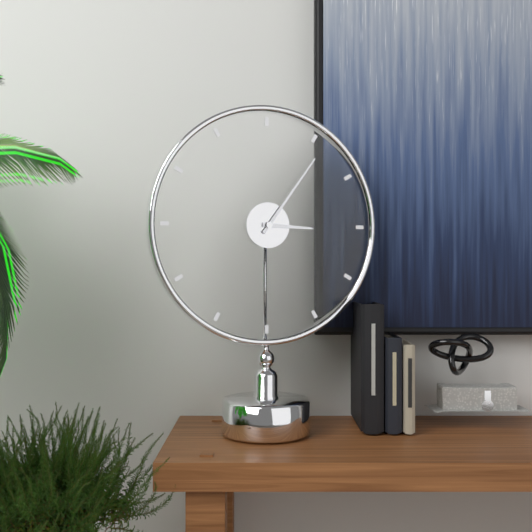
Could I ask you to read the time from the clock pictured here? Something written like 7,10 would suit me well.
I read 3,06
